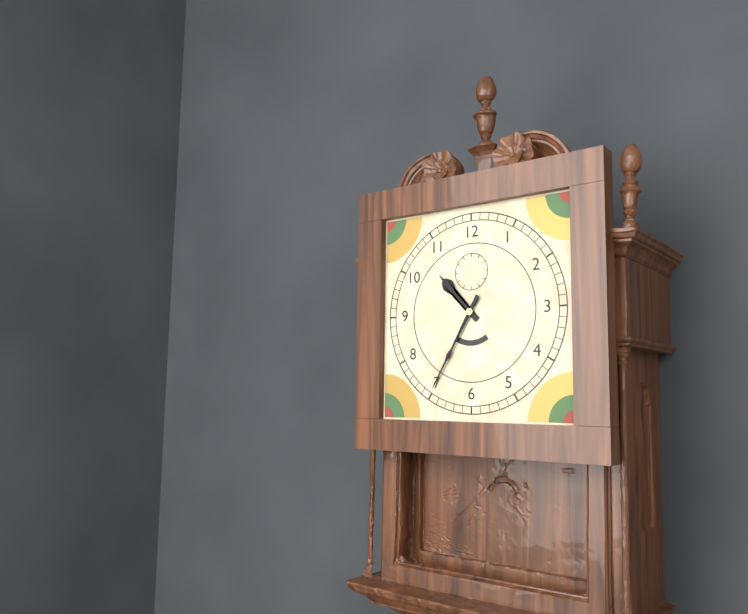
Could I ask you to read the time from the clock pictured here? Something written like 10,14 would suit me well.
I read 10,35
